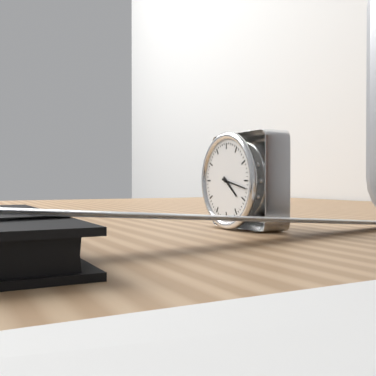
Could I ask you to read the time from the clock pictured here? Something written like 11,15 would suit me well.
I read 4,17
